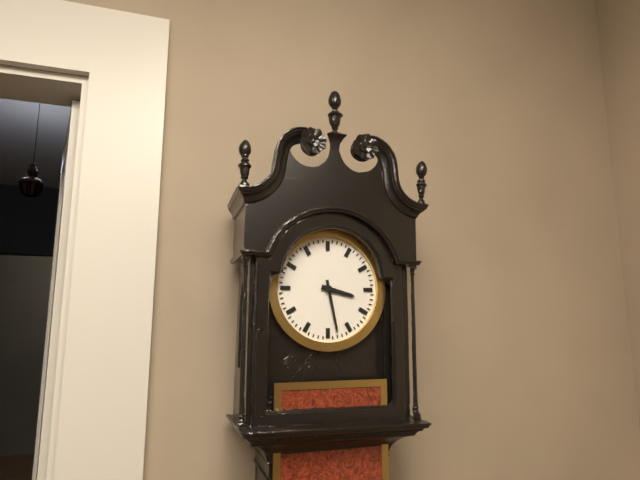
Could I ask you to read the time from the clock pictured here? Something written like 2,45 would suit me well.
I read 3,28
